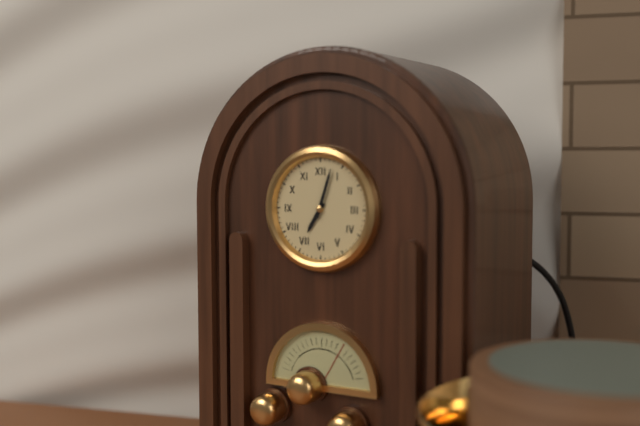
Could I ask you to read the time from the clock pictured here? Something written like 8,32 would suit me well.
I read 7,03
